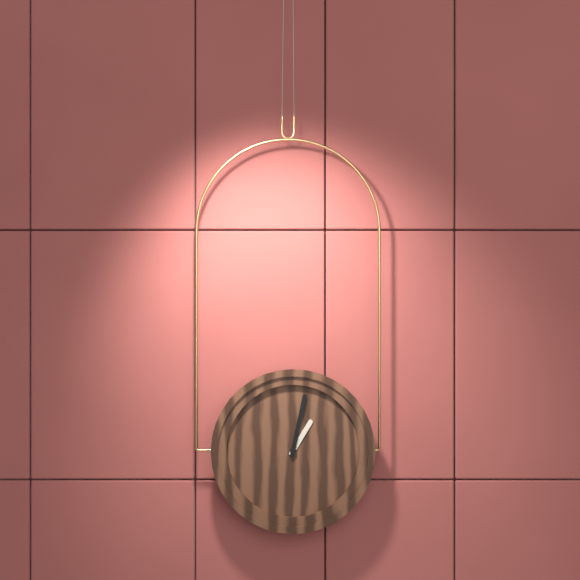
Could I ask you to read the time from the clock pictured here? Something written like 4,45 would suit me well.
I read 1,02
